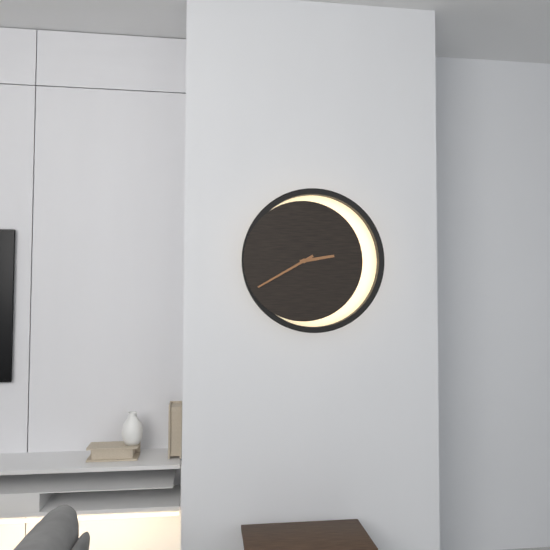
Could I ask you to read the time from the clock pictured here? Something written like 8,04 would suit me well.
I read 2,40
